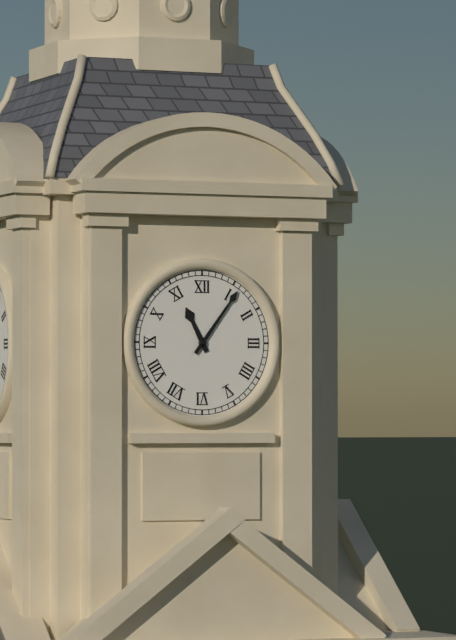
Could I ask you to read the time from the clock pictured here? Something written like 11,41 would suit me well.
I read 11,06
